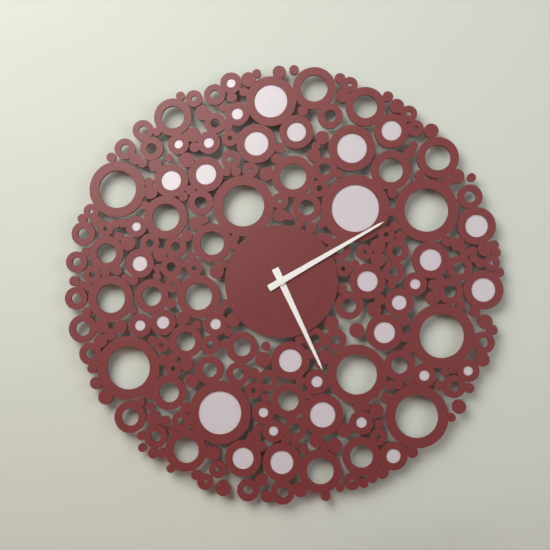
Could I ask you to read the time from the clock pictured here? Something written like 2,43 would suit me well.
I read 5,10
